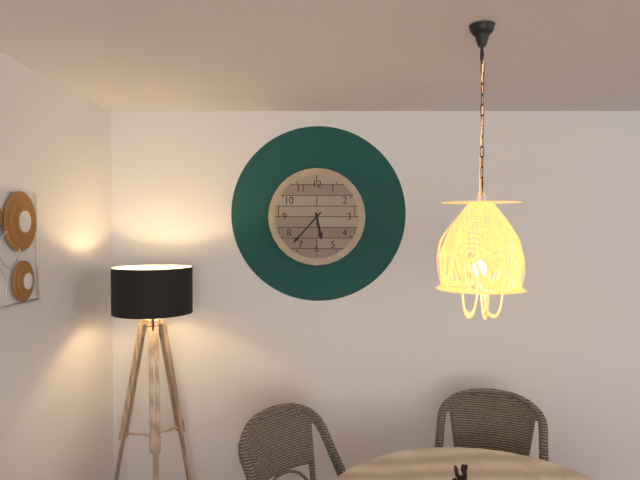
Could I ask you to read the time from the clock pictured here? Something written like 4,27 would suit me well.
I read 5,37
